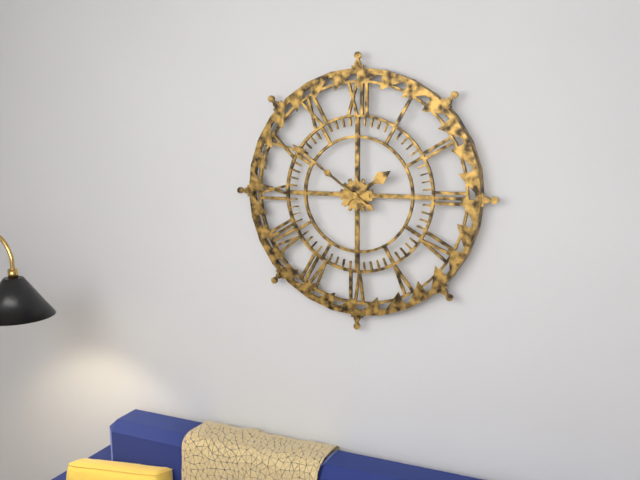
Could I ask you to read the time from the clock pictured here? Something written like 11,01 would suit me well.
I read 1,51
